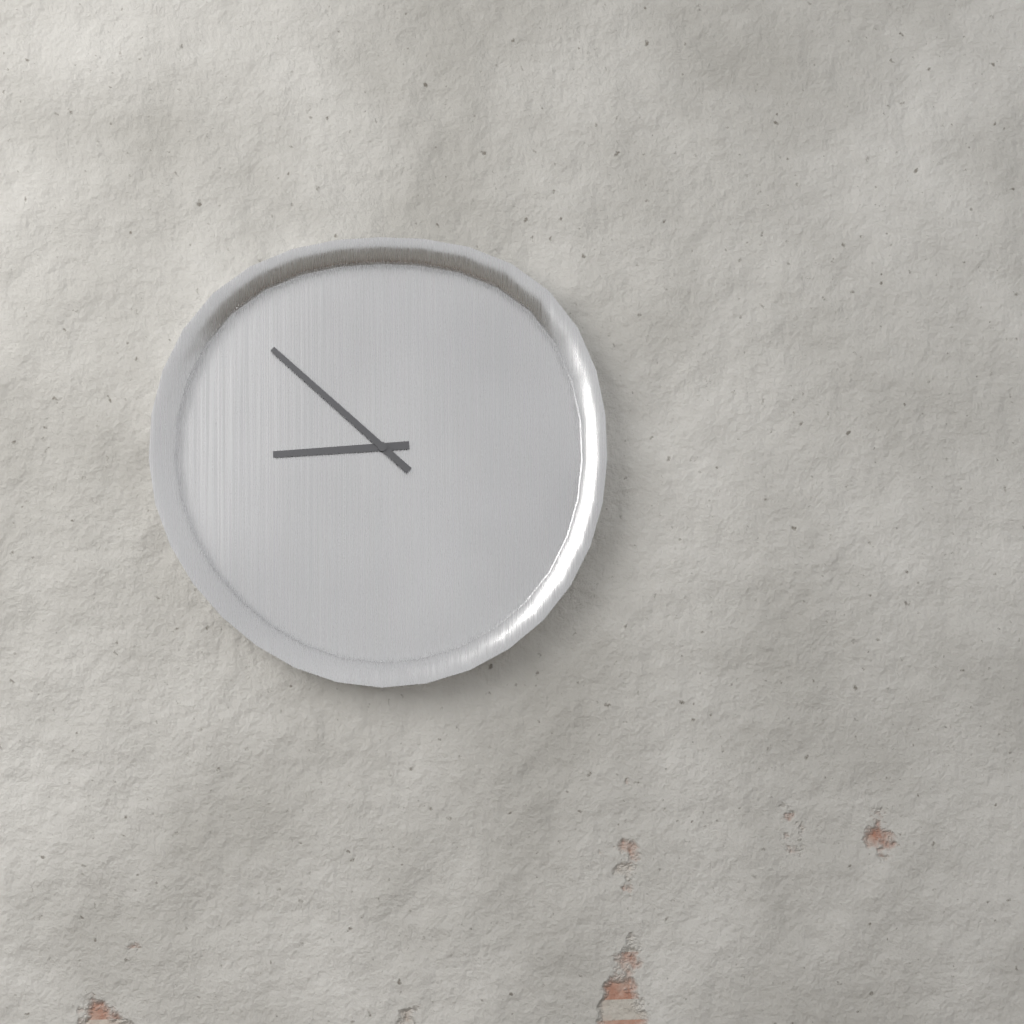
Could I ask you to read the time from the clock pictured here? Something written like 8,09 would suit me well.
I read 8,52
